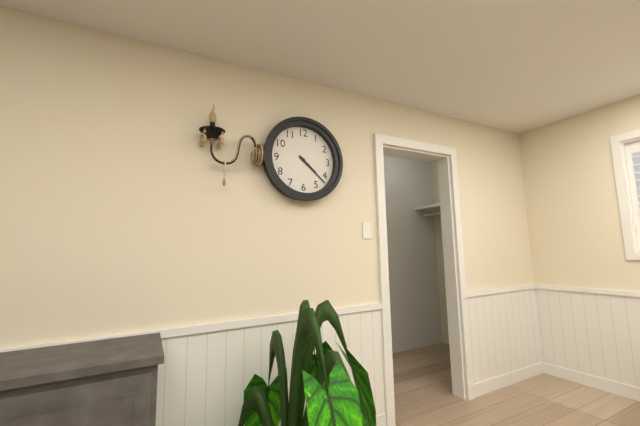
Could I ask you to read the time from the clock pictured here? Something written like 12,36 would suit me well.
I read 4,22
